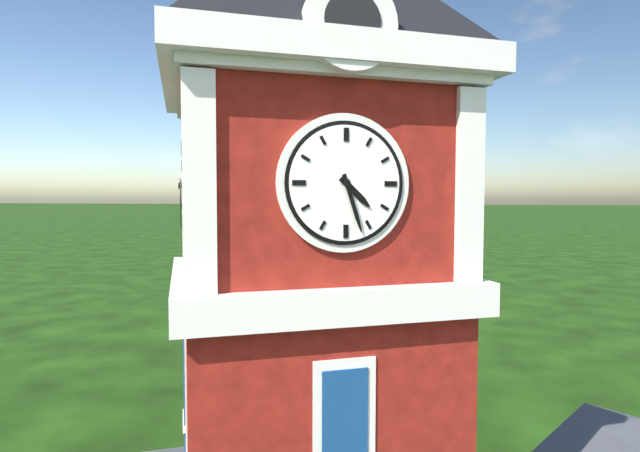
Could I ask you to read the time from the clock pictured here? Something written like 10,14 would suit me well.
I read 4,27
